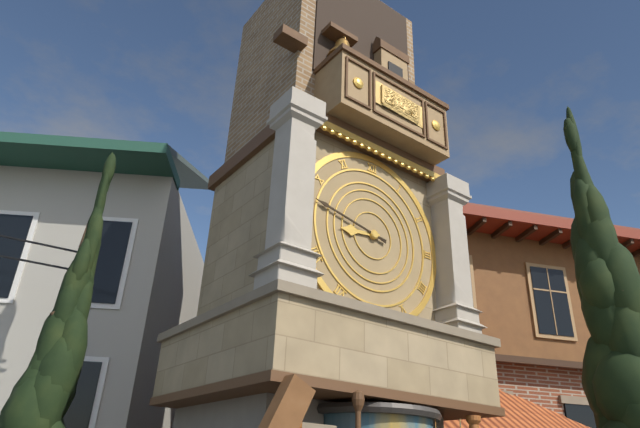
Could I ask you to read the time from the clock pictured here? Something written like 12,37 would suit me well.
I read 8,47
